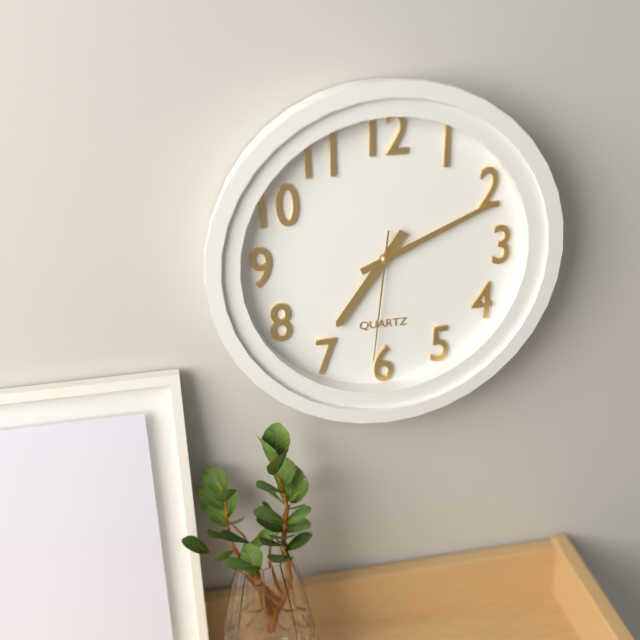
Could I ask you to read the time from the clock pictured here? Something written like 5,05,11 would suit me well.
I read 7,11,31
